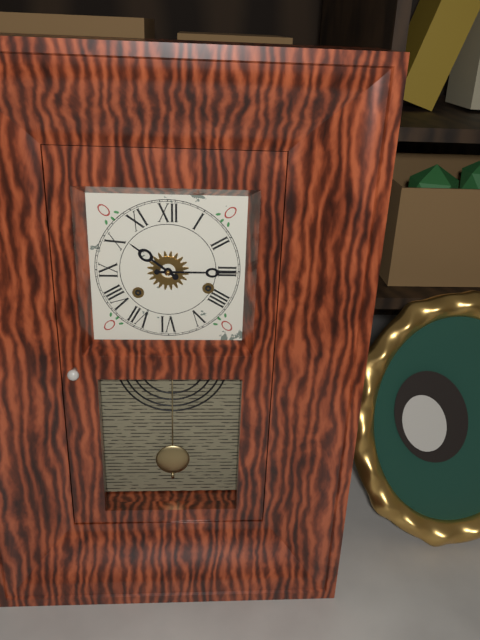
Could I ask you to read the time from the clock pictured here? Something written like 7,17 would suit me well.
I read 10,15
